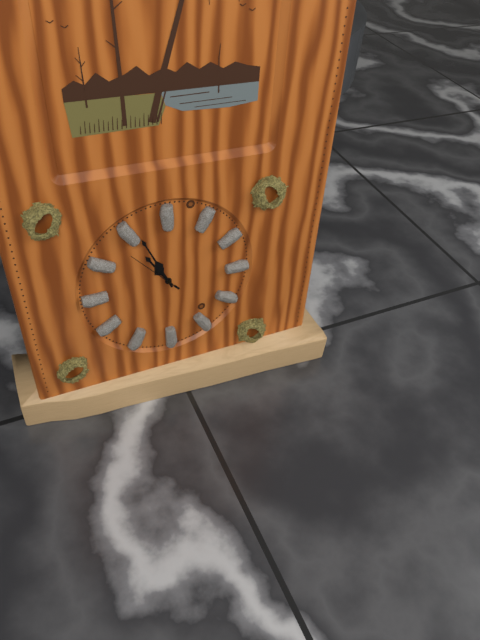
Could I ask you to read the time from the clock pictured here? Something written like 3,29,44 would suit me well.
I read 10,56,53
